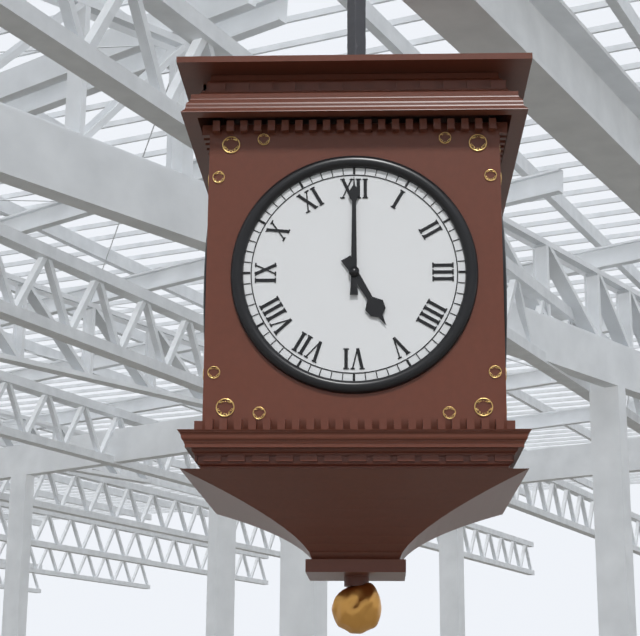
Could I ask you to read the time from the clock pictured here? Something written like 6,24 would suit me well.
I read 5,00
